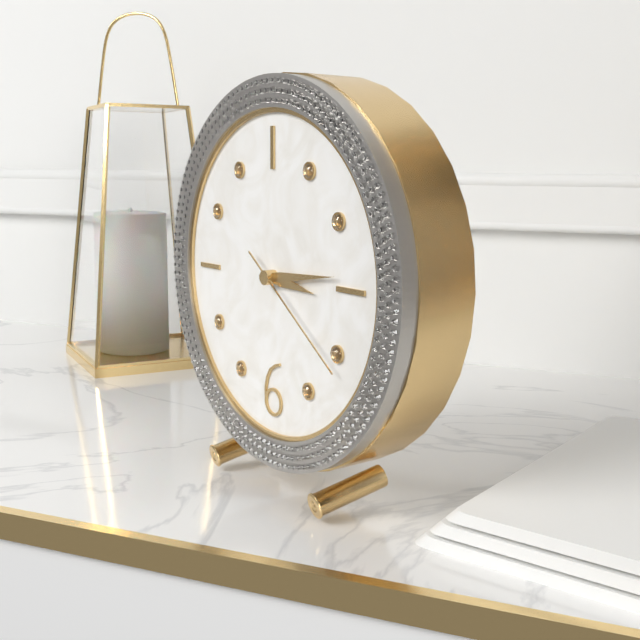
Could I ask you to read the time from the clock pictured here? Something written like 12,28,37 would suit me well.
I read 3,14,21
